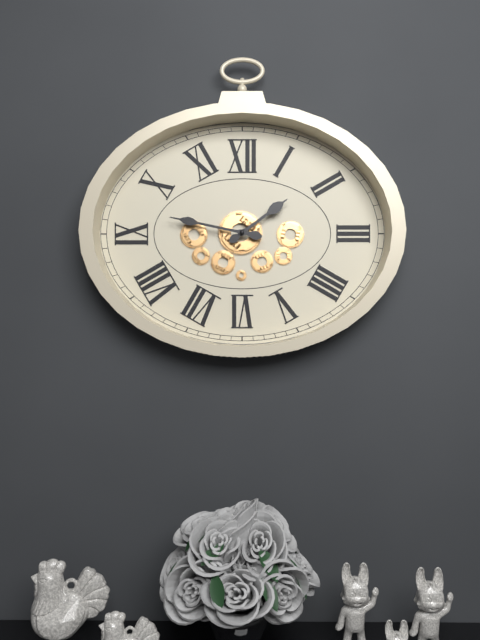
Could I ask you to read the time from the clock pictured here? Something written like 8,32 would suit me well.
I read 1,47
